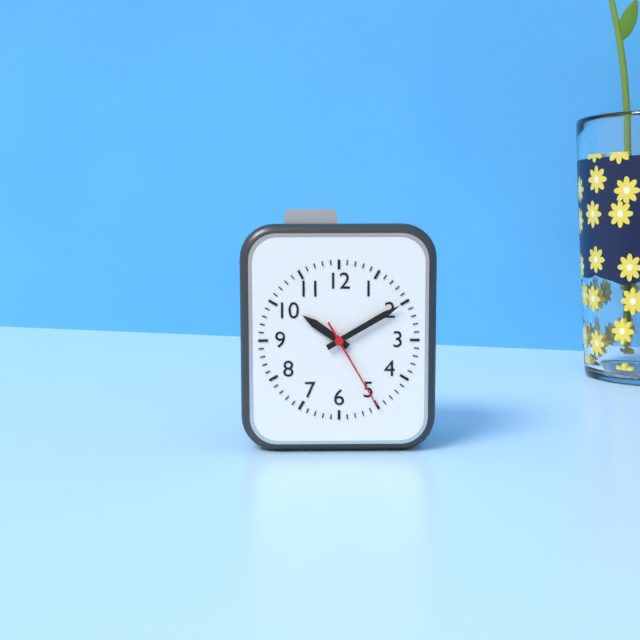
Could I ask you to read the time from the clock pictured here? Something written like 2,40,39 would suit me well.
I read 10,10,25
